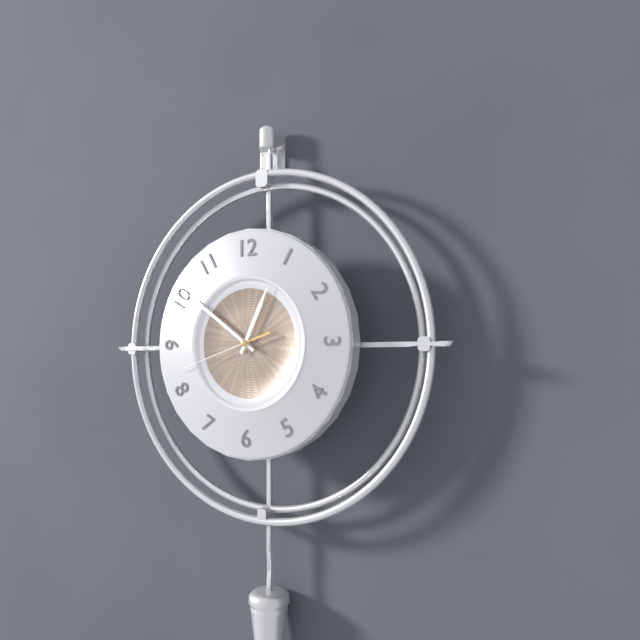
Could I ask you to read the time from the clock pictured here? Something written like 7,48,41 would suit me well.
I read 12,51,42
